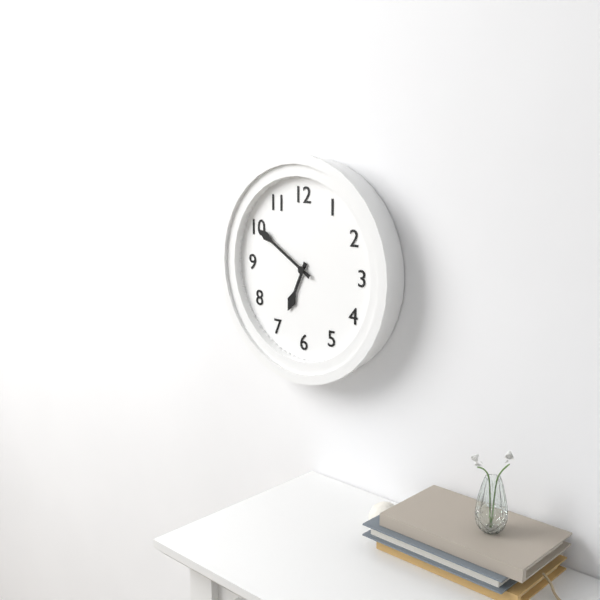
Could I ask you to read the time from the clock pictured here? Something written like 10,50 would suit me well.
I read 6,50
